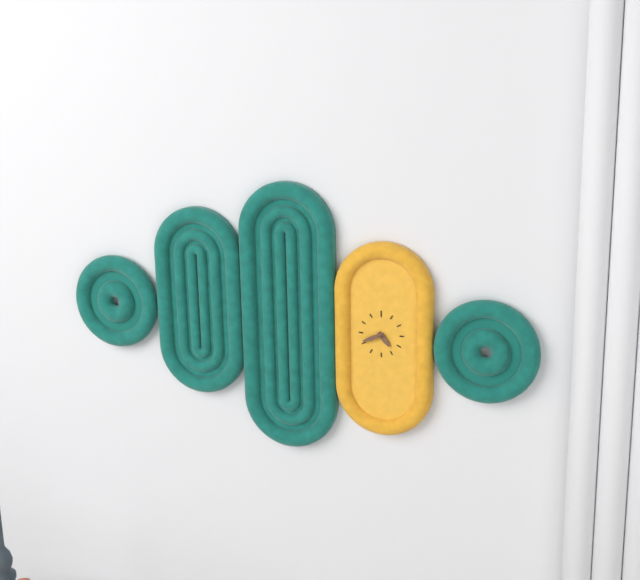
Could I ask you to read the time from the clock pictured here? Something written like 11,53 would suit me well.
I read 4,41
